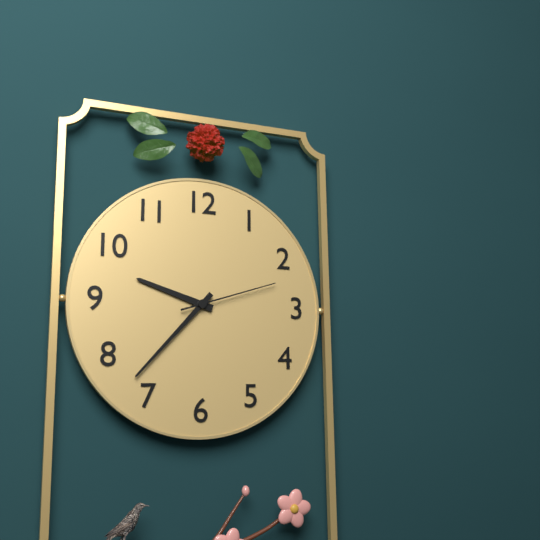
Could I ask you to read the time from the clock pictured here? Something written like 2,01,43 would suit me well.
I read 9,37,12
